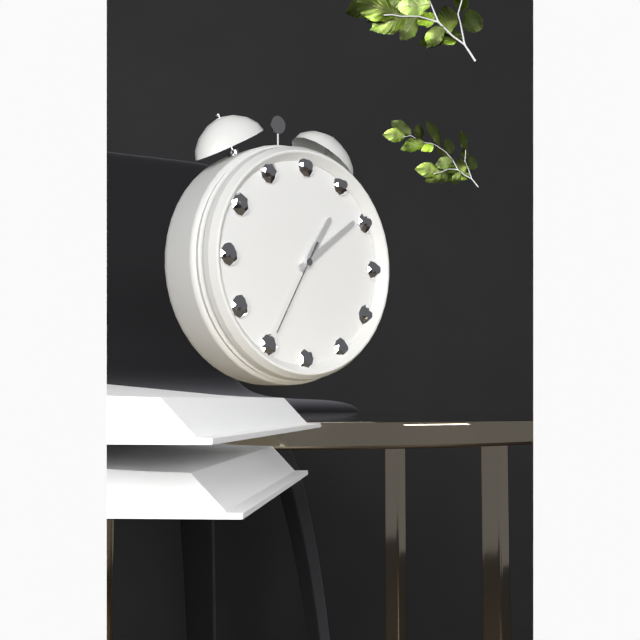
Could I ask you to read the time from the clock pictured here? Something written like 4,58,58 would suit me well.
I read 1,09,35
